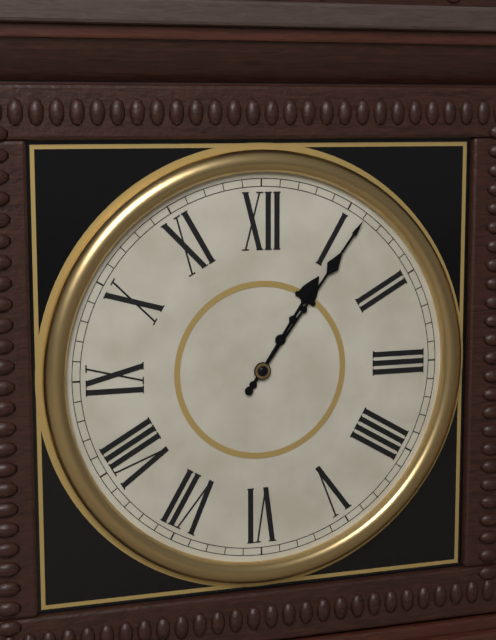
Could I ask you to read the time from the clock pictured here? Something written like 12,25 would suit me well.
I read 1,06
